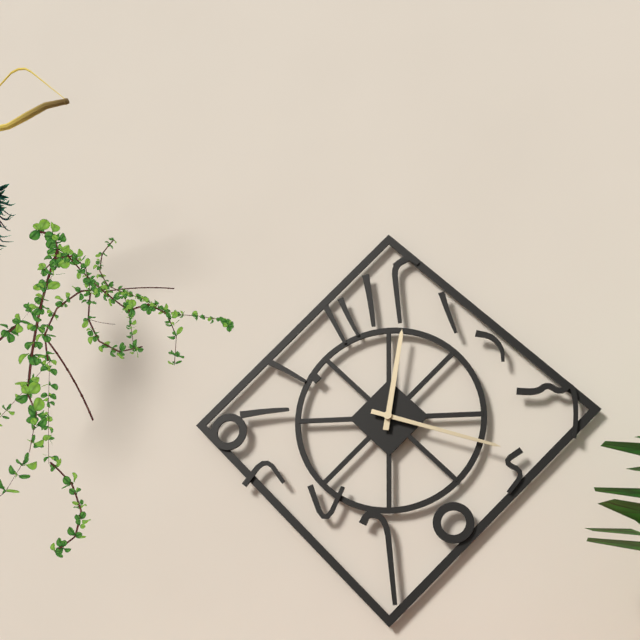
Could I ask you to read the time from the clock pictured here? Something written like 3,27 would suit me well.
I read 12,18
